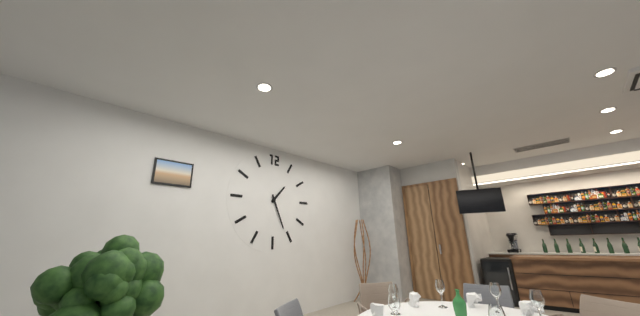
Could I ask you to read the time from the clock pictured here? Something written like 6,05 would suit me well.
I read 1,26
